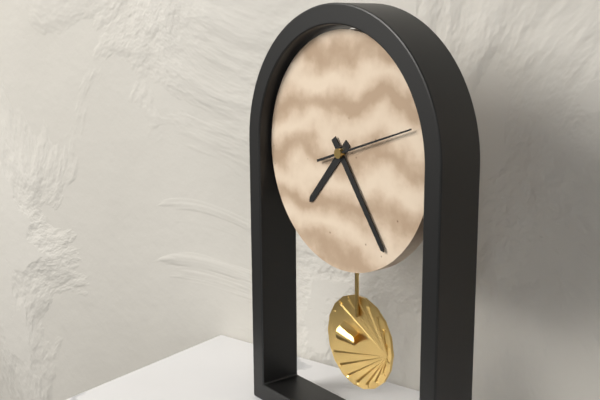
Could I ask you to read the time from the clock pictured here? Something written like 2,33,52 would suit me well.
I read 7,24,12
